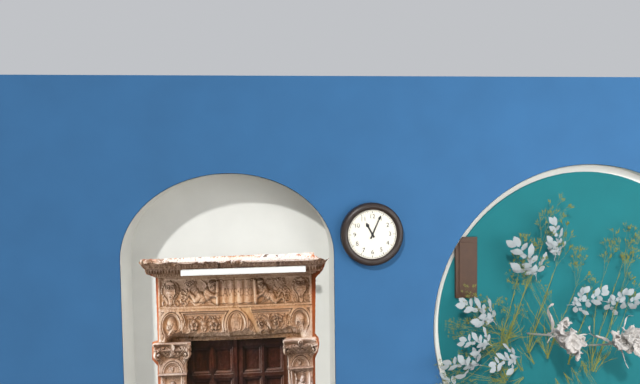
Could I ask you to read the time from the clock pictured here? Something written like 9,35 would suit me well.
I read 11,04
